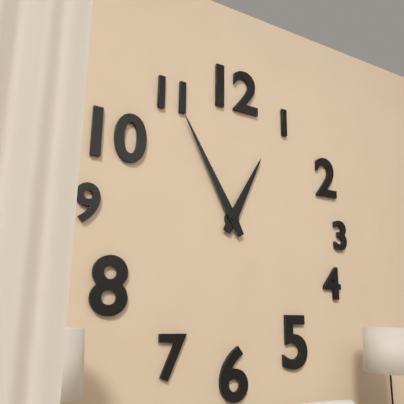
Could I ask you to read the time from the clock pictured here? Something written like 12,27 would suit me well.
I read 12,55
